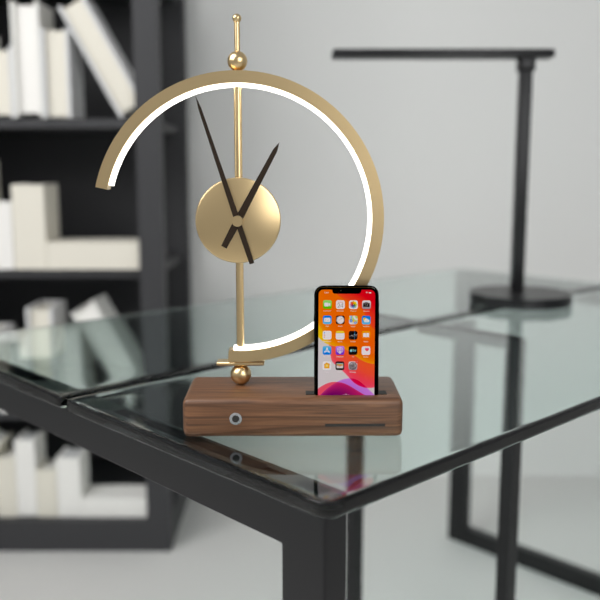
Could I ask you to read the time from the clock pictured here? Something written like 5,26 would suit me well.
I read 12,57
